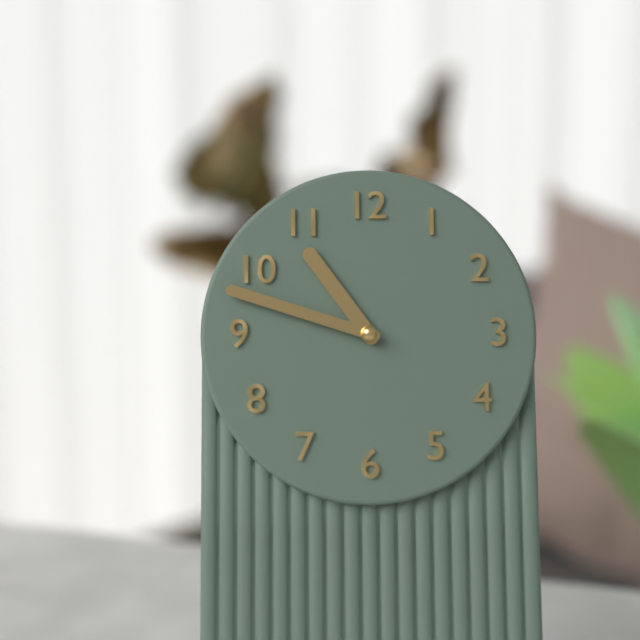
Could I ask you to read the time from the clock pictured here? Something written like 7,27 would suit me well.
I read 10,48
